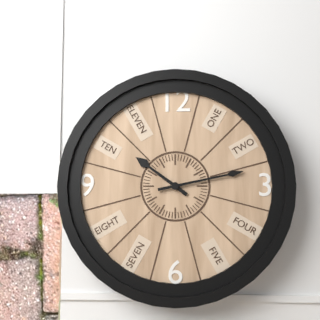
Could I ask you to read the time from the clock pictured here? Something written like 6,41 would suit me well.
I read 10,13
